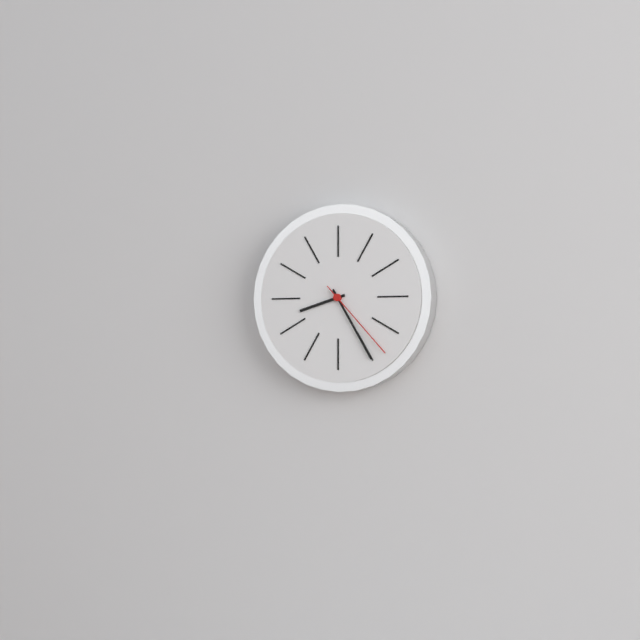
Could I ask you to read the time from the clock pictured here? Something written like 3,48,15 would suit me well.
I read 8,25,23
